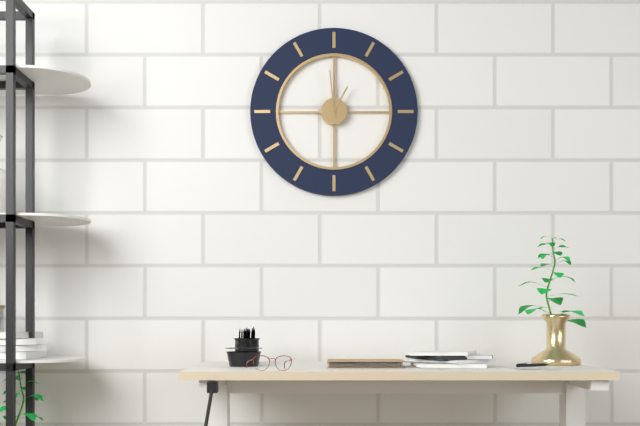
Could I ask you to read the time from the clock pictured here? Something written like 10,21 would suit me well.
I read 12,59
